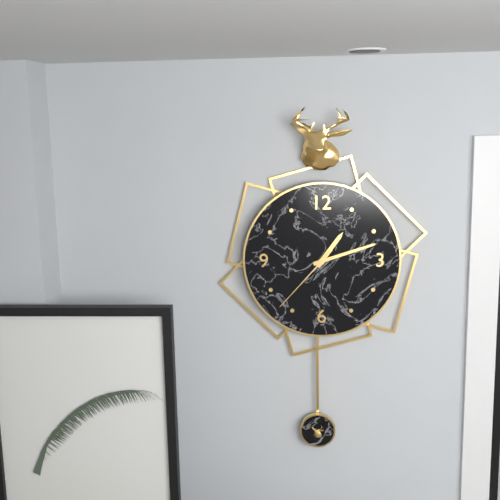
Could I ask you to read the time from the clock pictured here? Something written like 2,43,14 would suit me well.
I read 1,12,37
